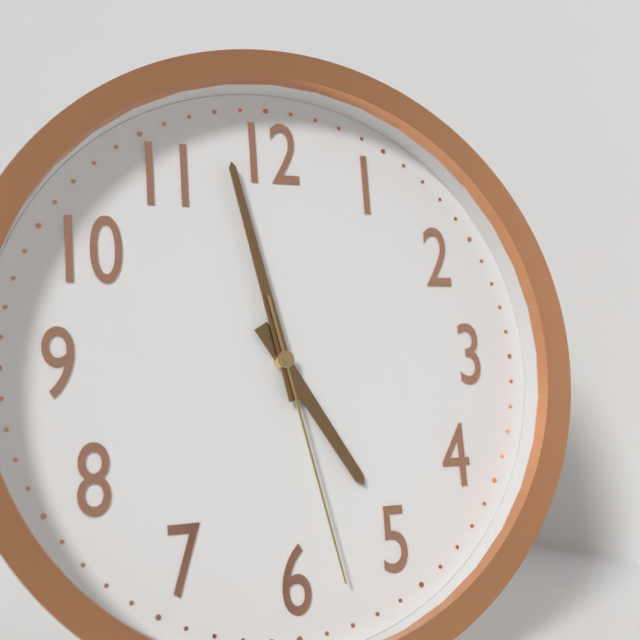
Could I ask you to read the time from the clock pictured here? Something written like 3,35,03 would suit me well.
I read 4,58,28
